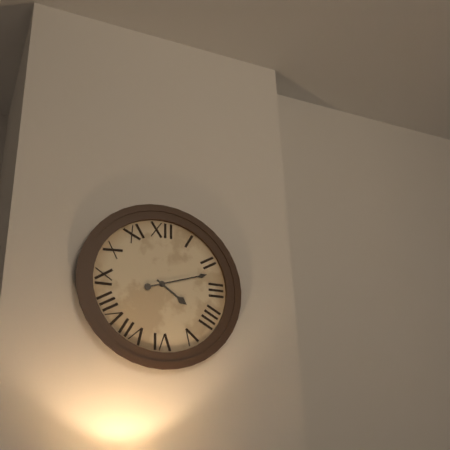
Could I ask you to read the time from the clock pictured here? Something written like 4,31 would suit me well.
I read 4,12
